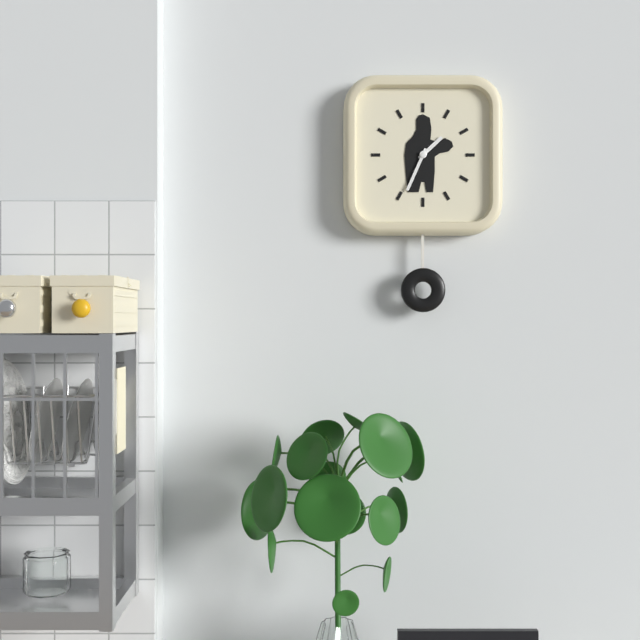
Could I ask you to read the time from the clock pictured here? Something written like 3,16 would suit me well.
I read 1,34
